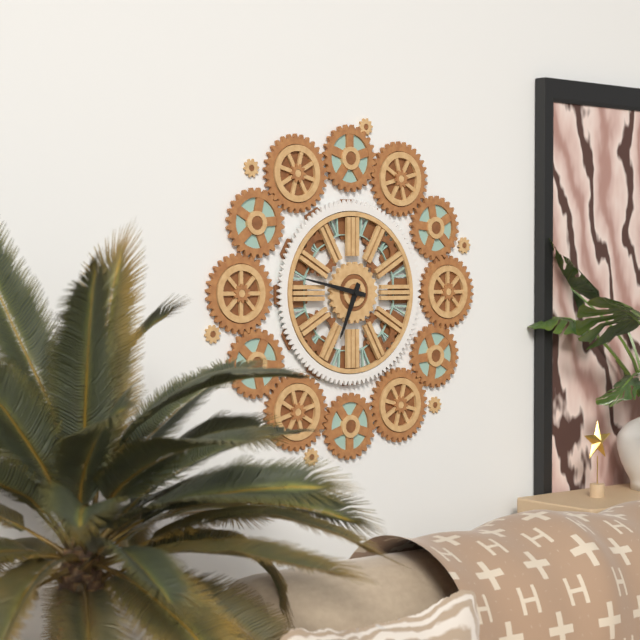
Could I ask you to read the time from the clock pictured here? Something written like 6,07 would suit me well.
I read 6,47
